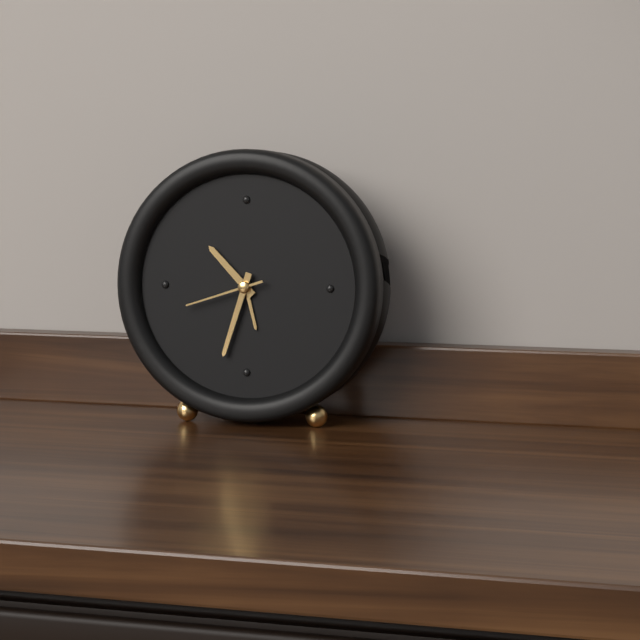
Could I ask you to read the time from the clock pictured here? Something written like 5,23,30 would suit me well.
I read 10,33,42
